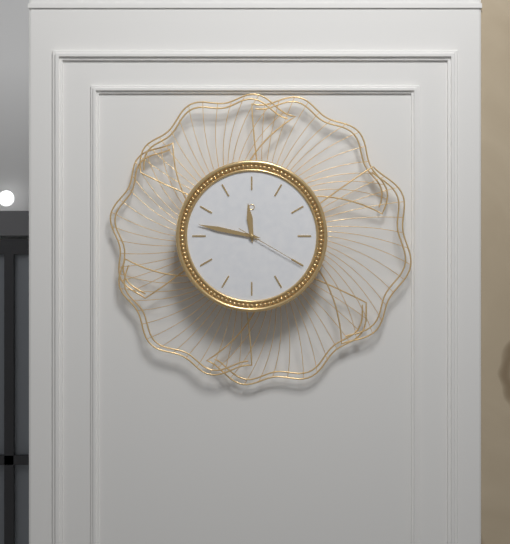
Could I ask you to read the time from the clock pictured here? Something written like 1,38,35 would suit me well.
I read 11,47,20
